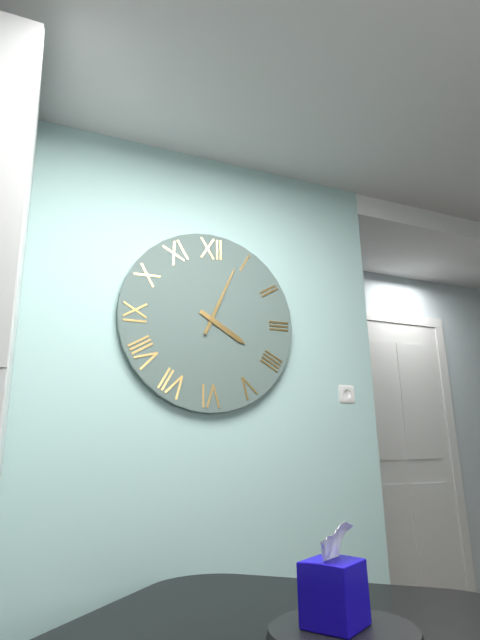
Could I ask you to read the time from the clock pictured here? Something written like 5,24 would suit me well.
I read 4,04
